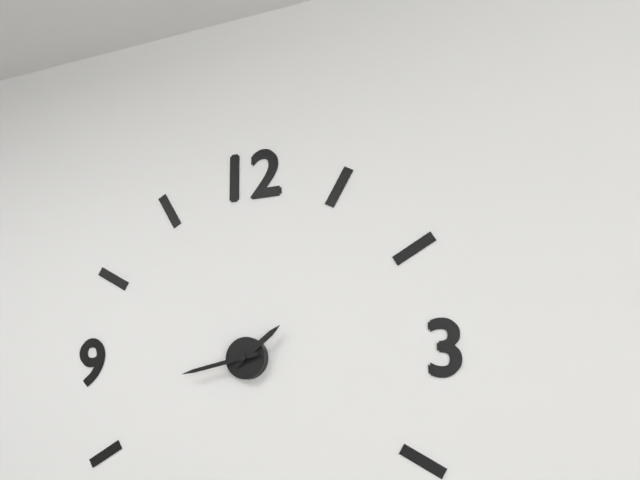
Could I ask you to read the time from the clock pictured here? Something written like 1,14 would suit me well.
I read 1,43
